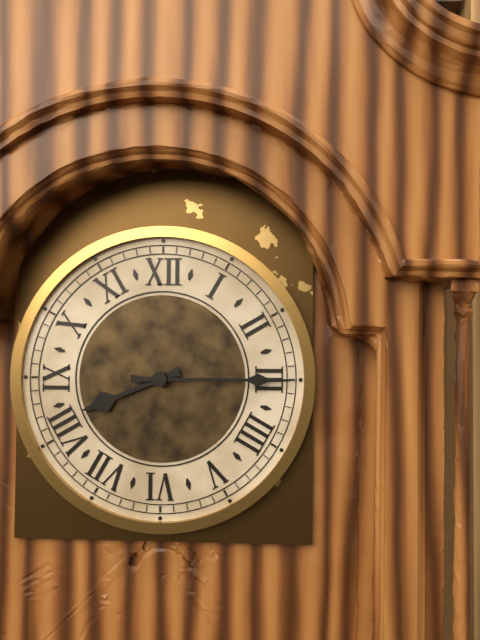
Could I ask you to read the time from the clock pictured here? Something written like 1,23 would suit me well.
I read 8,15
